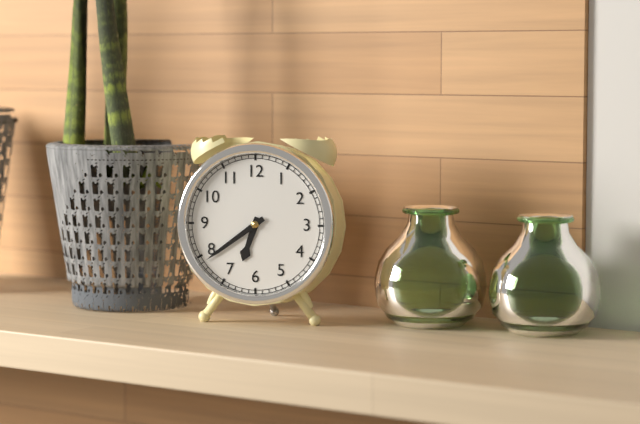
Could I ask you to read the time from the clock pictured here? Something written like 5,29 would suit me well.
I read 6,39
